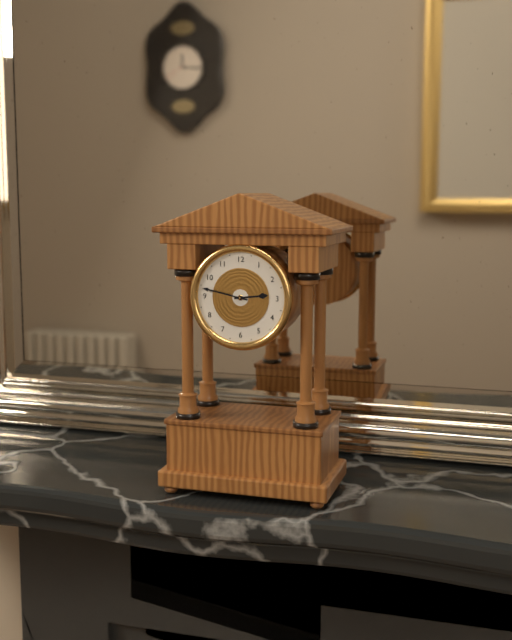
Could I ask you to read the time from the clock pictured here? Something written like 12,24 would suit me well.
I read 2,47
